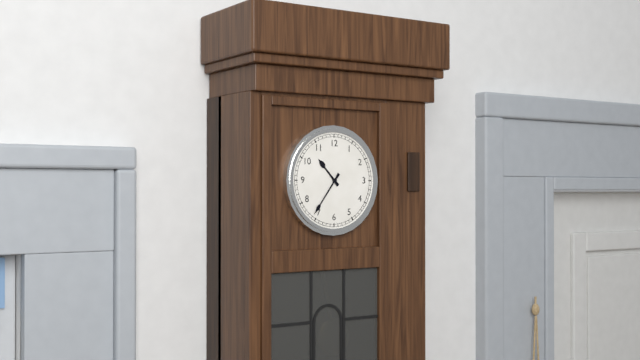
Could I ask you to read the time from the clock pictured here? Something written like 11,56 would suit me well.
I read 10,36
